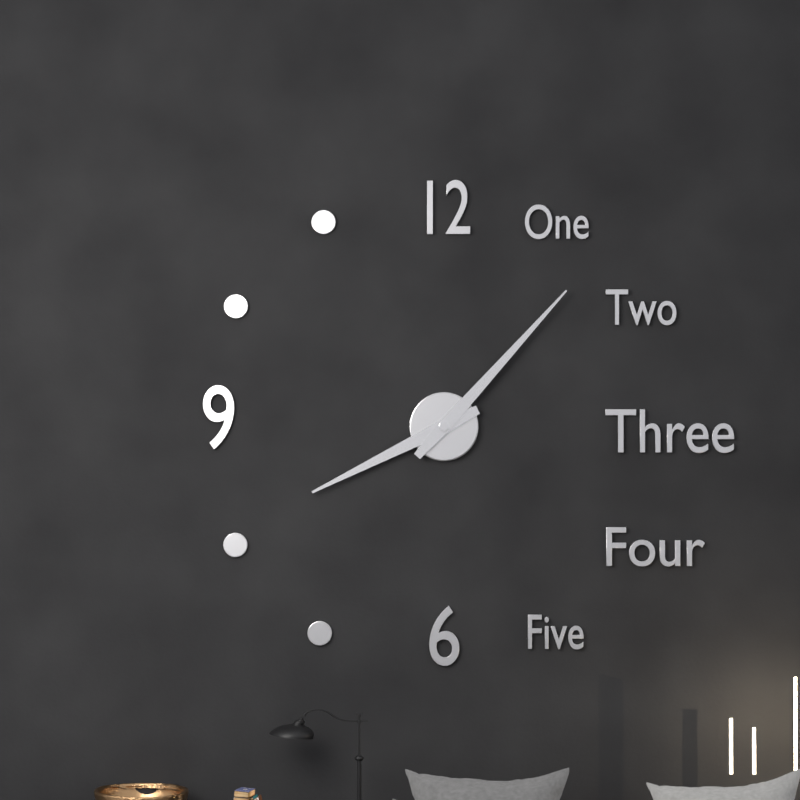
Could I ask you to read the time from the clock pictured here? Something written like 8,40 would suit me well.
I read 8,07
